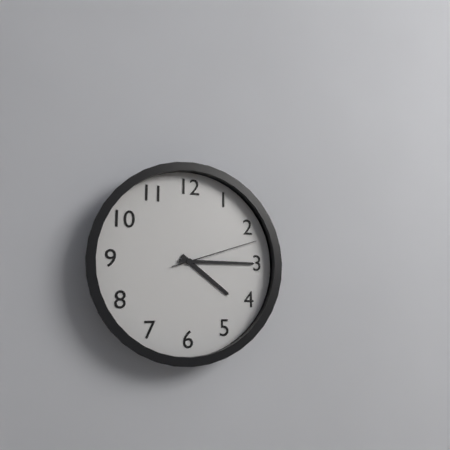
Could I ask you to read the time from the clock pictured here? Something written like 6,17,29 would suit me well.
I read 4,15,12
